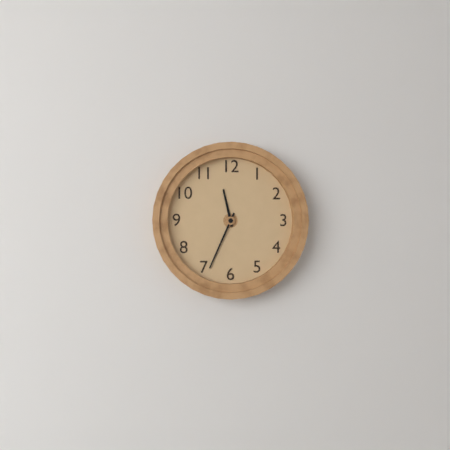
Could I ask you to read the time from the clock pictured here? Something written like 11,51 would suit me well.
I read 11,34
